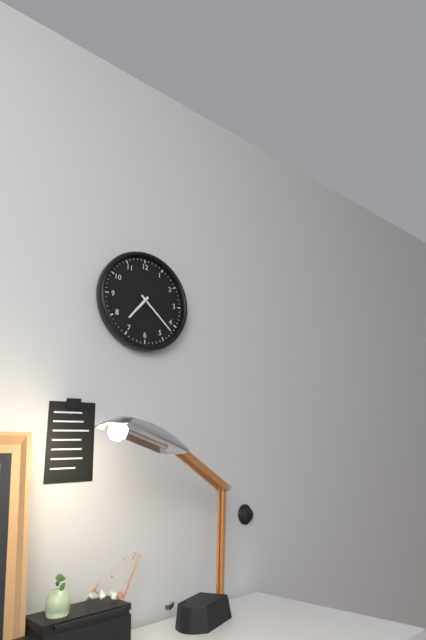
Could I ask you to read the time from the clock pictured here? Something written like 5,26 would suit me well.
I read 7,22
